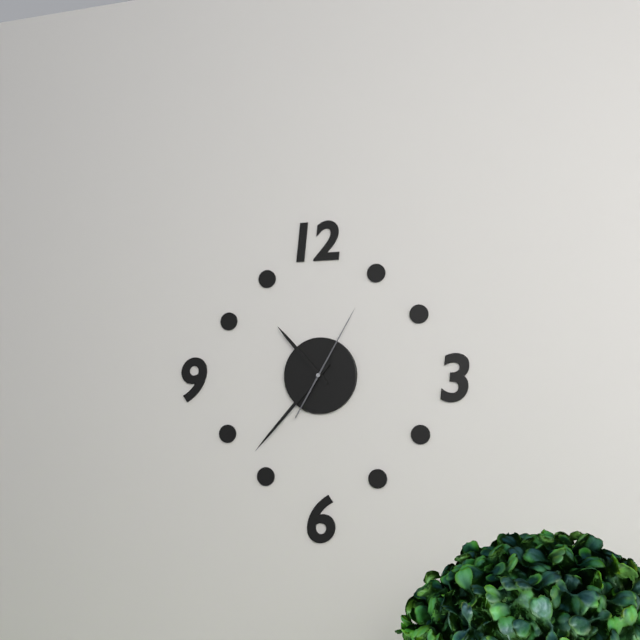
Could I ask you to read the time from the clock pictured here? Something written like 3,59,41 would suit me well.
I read 10,37,05
